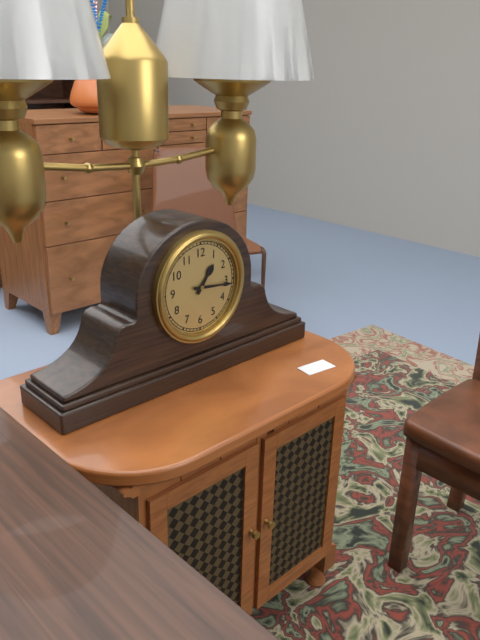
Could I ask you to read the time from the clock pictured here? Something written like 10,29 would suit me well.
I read 1,16
